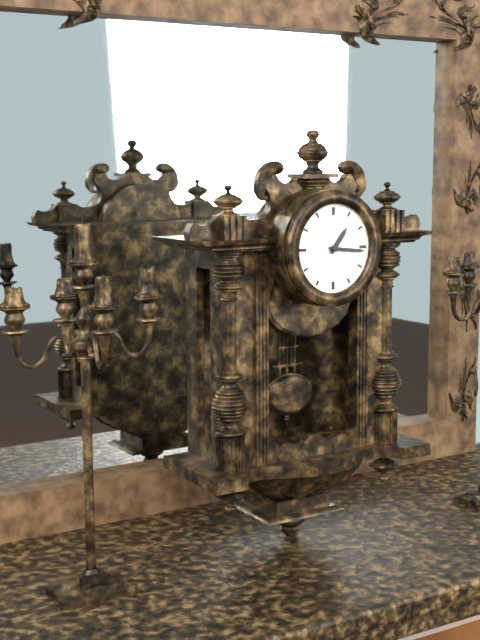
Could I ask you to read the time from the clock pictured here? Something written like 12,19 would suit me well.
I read 1,16
